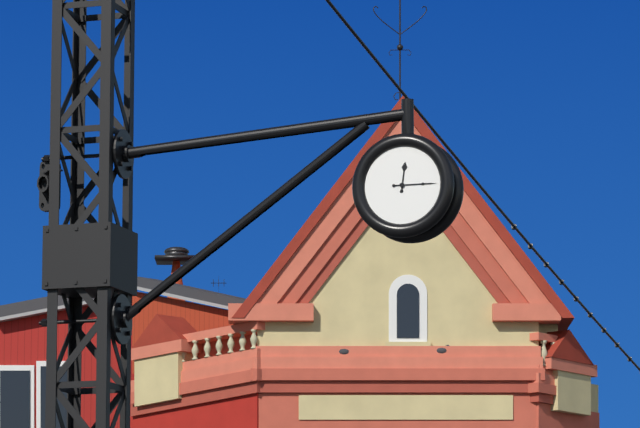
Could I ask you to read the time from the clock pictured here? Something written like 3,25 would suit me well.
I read 12,15
